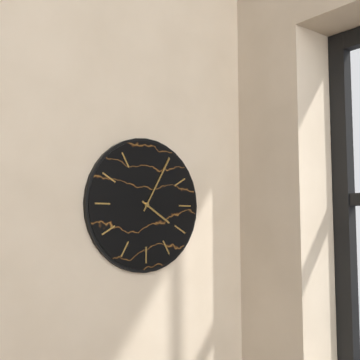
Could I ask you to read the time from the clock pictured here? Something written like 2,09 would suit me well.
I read 4,05
